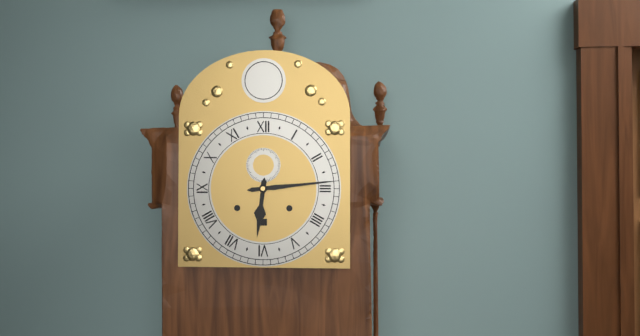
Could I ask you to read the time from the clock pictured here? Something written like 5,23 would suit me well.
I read 6,14
